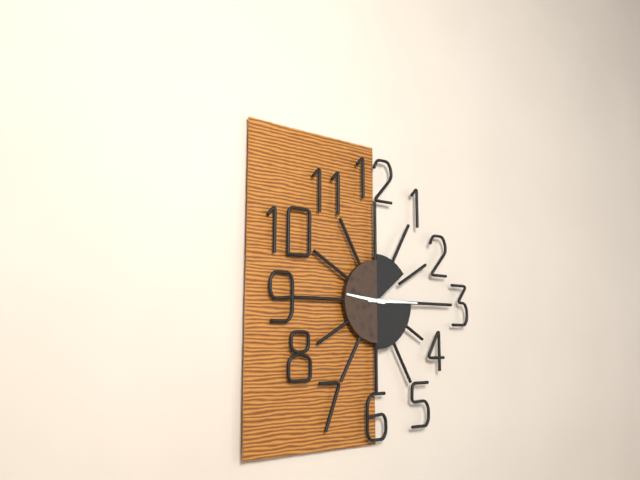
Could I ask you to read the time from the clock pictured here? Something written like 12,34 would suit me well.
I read 9,15
